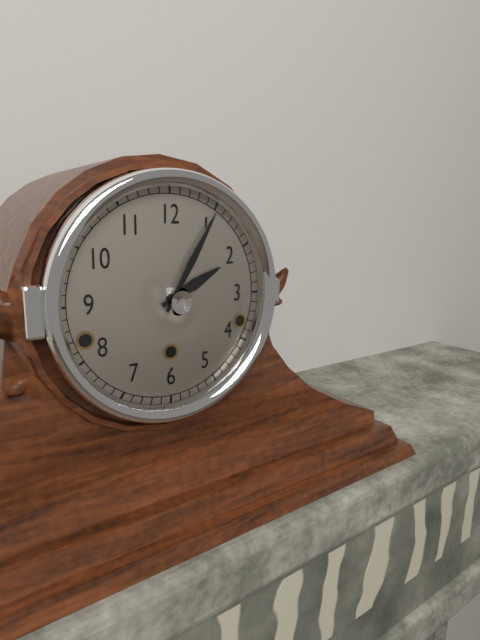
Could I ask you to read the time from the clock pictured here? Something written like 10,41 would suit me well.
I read 2,05
